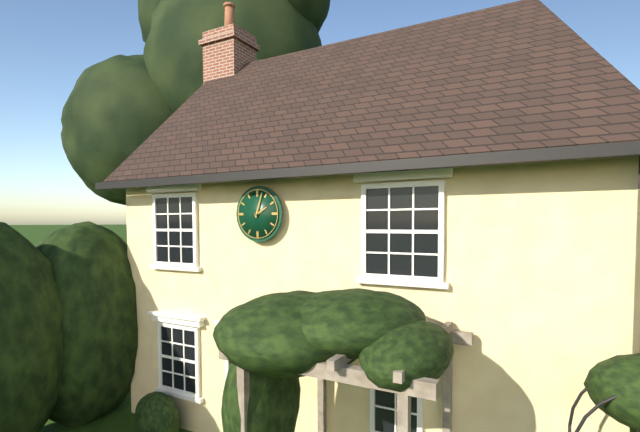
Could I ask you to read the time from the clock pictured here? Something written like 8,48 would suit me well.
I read 2,03
